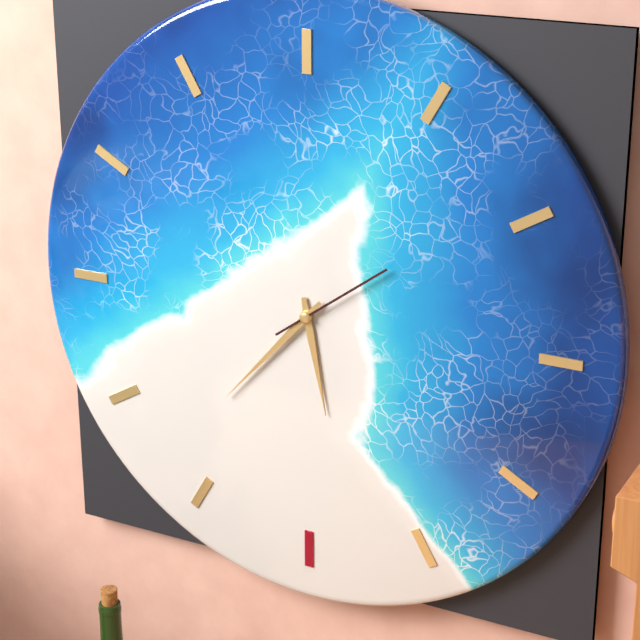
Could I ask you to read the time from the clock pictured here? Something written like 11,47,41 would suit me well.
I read 5,37,09
